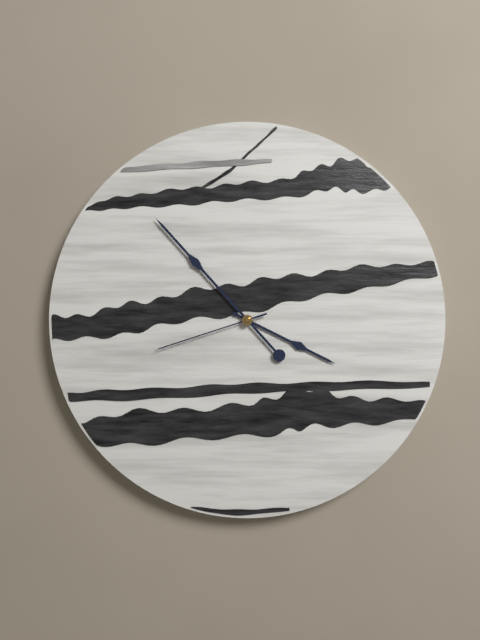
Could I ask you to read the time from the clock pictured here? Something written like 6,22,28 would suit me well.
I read 3,53,42
